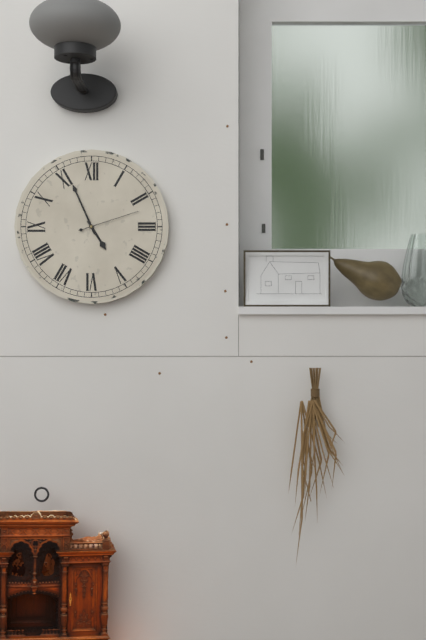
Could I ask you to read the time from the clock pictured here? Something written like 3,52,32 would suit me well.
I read 4,56,12
